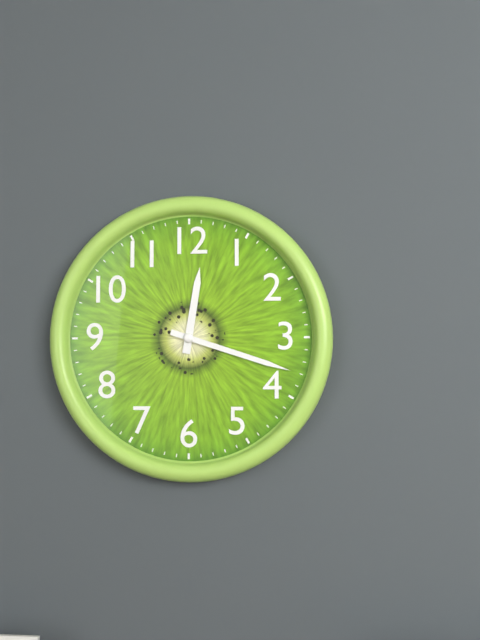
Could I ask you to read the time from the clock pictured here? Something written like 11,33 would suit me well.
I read 12,18
